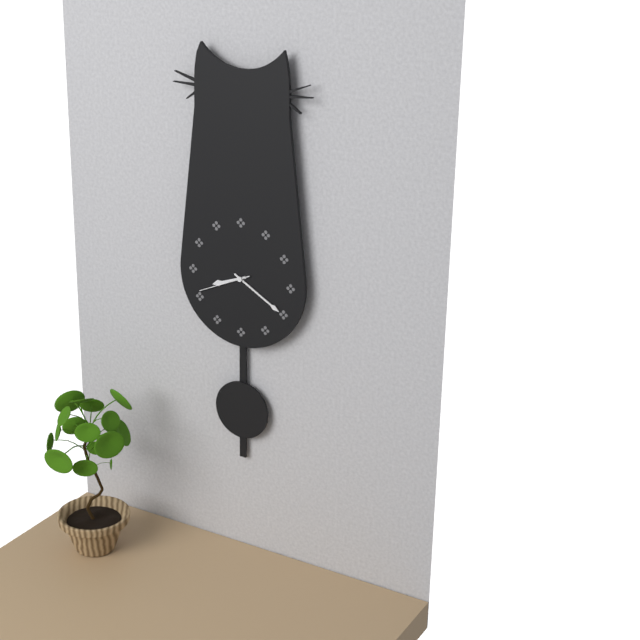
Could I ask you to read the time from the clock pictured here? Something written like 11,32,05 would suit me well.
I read 8,20,41
